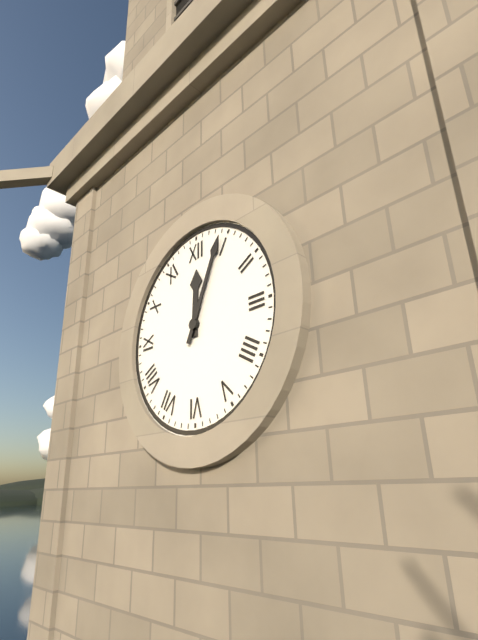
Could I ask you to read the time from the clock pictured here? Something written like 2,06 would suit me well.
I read 12,04
